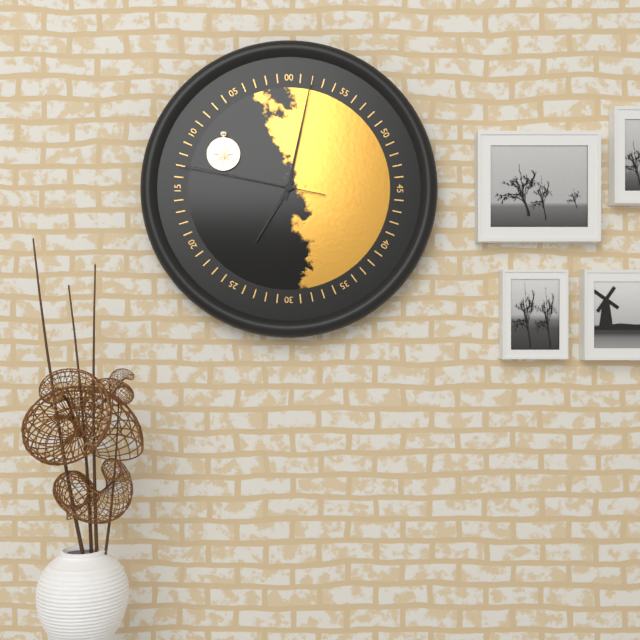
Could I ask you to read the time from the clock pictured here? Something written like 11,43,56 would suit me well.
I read 7,02,47
